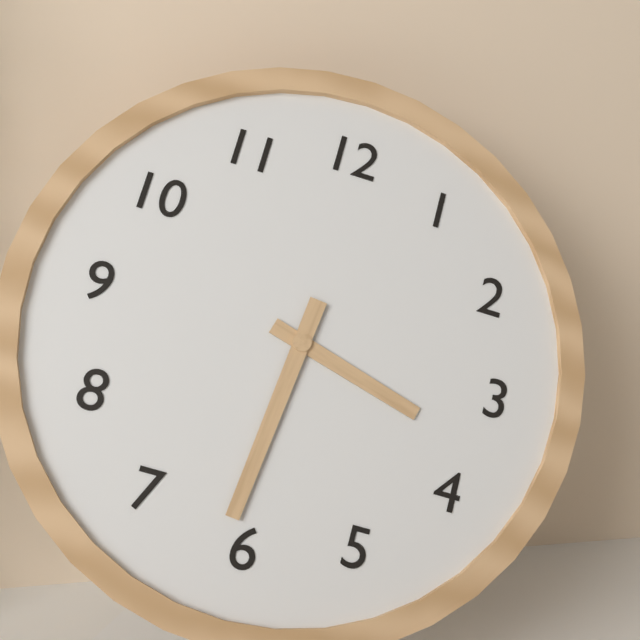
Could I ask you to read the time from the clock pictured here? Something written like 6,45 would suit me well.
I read 3,31
